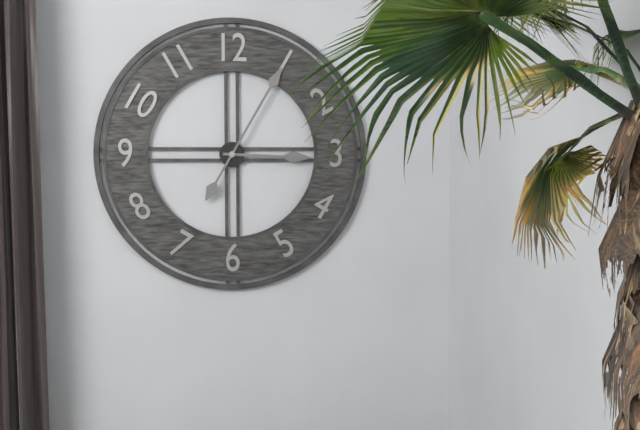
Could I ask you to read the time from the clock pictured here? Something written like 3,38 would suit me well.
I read 3,05
